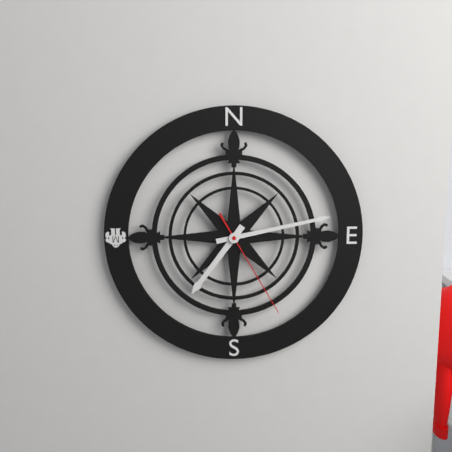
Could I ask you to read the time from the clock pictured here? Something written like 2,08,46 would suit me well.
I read 7,13,25
